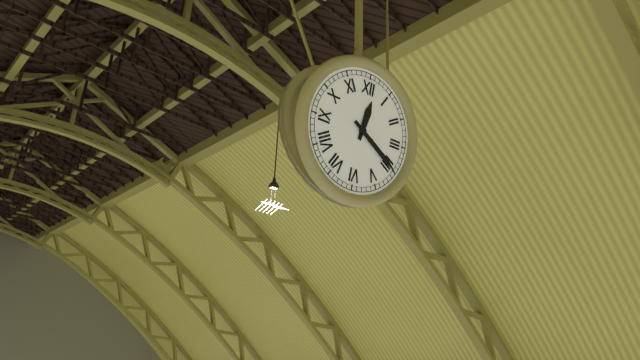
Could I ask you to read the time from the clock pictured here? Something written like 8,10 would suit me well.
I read 12,20
